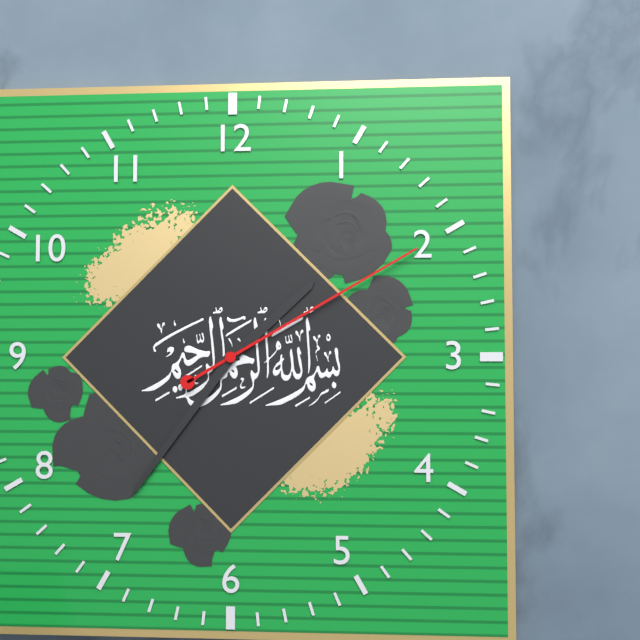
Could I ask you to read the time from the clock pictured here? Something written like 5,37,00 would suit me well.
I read 1,36,10
